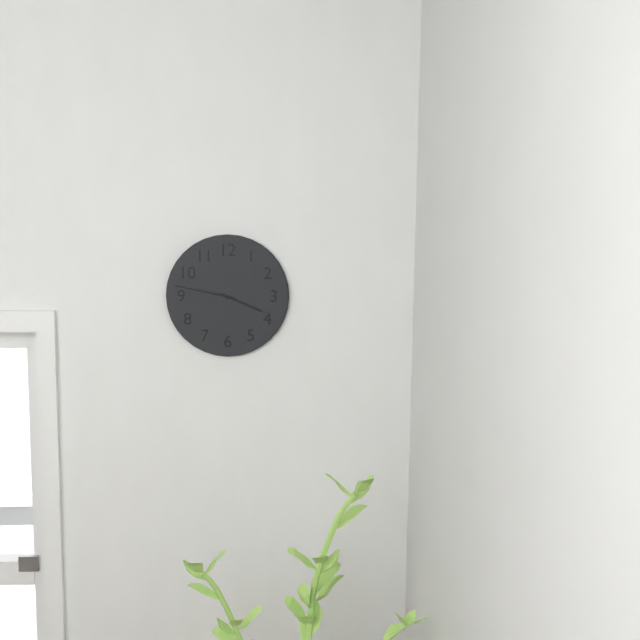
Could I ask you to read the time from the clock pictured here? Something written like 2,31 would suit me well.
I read 3,47
